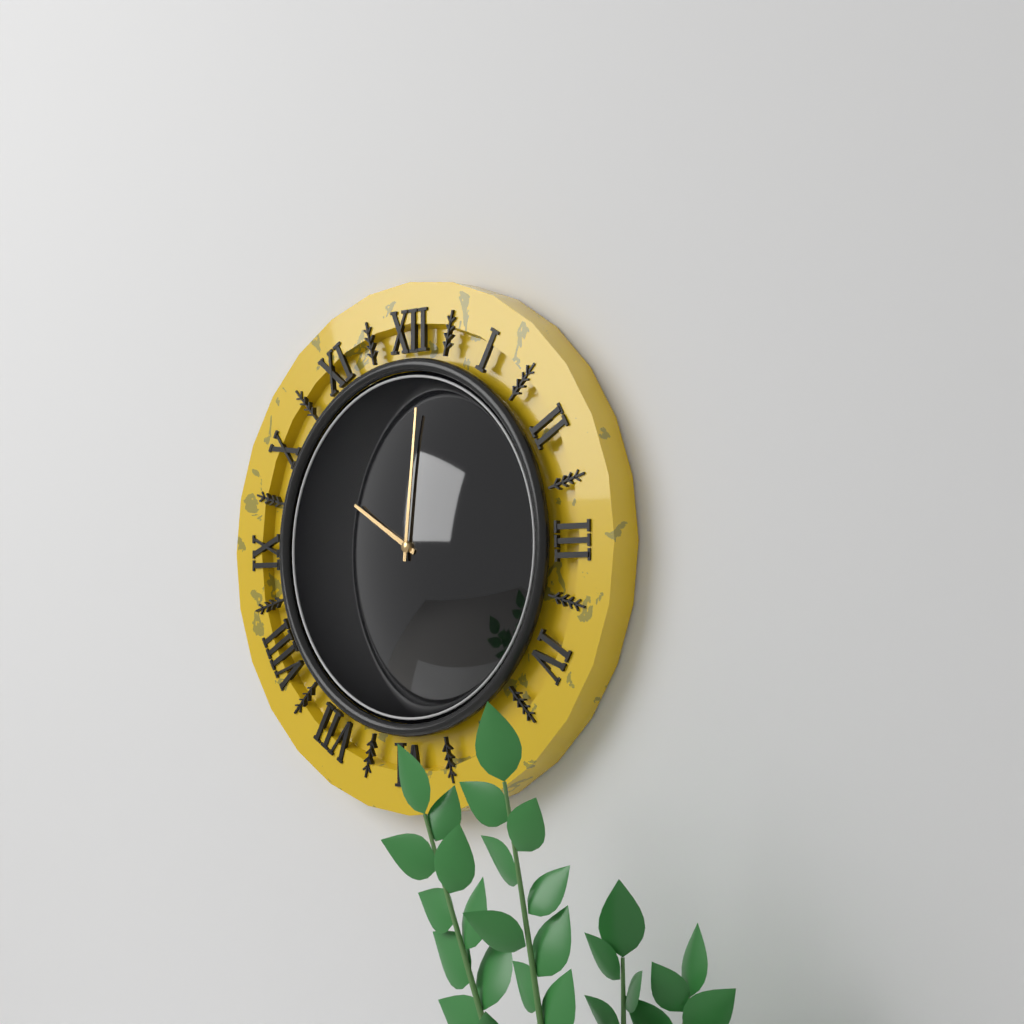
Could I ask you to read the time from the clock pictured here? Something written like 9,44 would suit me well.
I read 10,01
